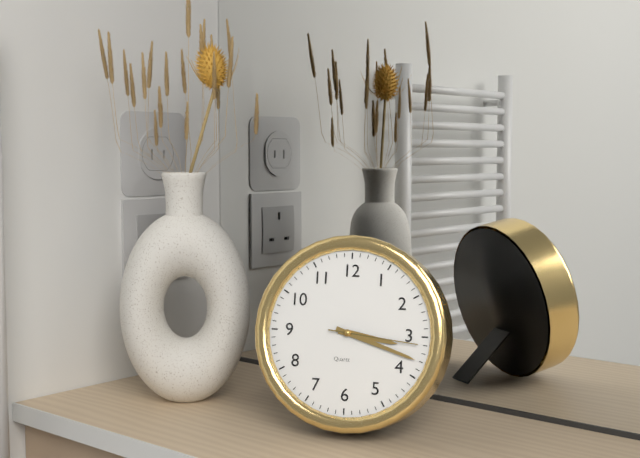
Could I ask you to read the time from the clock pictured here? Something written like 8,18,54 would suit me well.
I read 3,18,16
